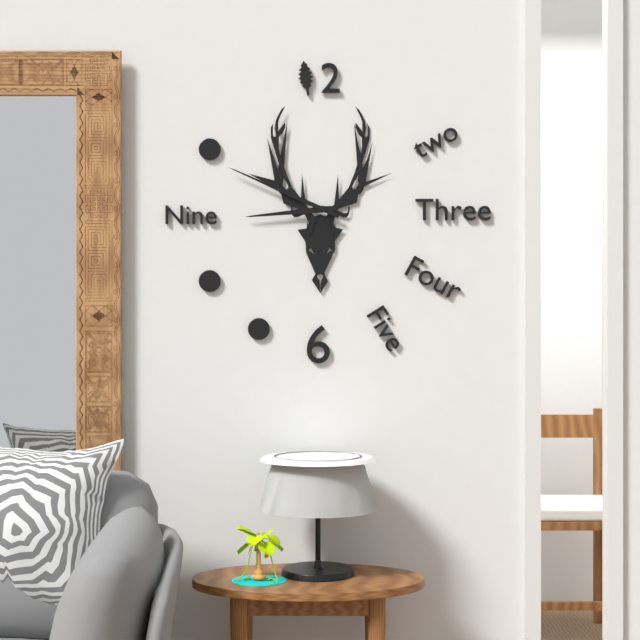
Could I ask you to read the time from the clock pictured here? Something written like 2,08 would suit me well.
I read 8,49
